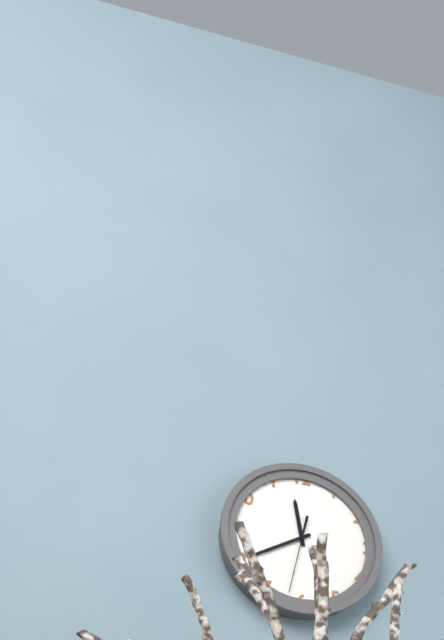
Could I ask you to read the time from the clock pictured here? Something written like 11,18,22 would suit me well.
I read 11,40,32
